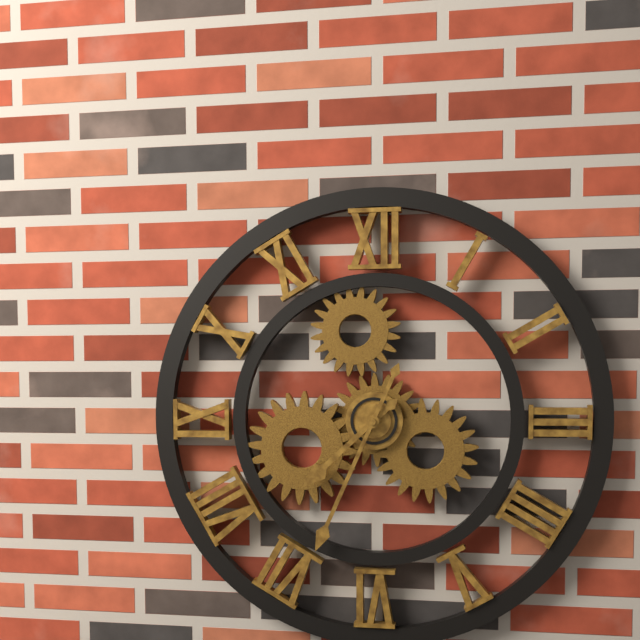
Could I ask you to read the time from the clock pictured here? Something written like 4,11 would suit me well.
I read 7,34
